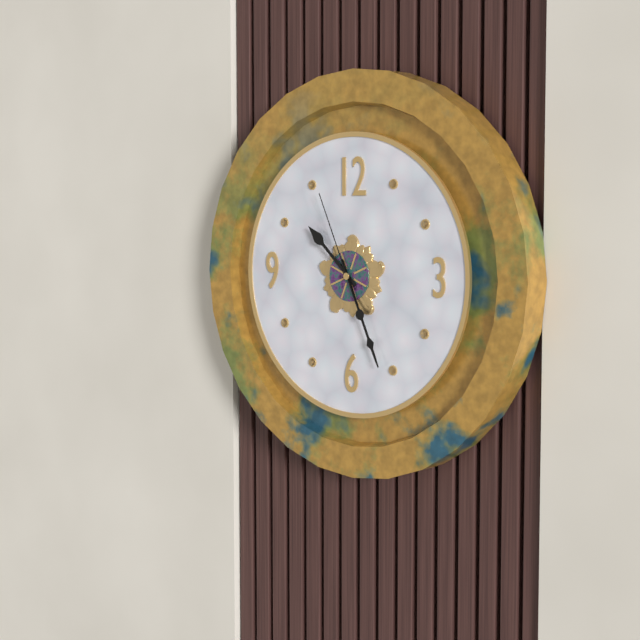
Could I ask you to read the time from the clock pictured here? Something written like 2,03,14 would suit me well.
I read 10,26,56
